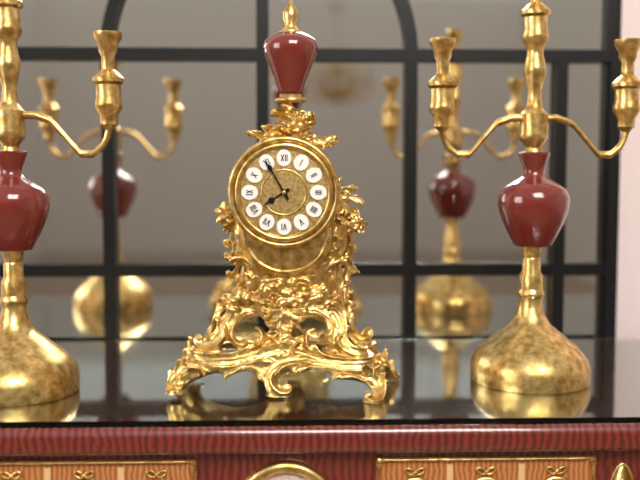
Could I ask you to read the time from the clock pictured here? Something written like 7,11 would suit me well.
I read 7,55
